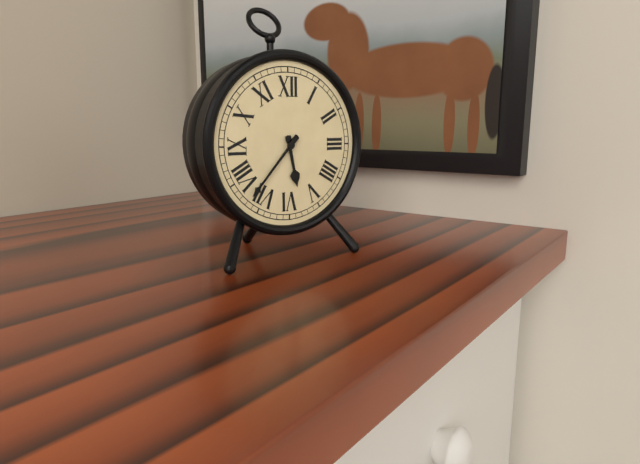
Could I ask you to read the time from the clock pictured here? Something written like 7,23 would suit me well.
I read 5,37
